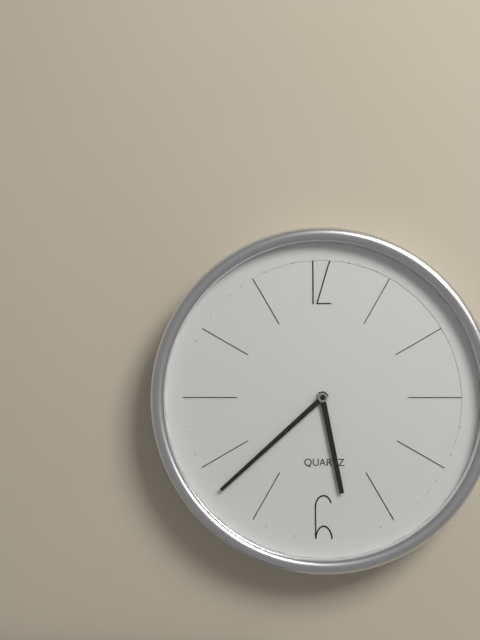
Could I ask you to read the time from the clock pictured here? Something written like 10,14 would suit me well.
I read 5,38
